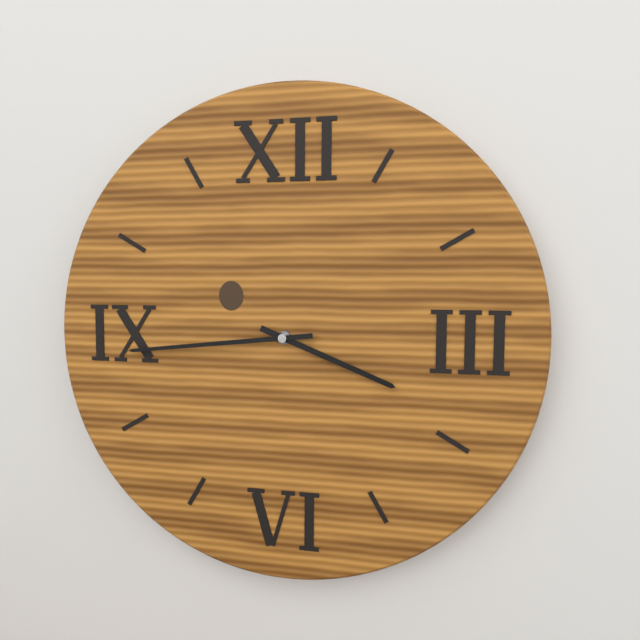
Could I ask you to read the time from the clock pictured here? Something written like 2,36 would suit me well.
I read 3,44
